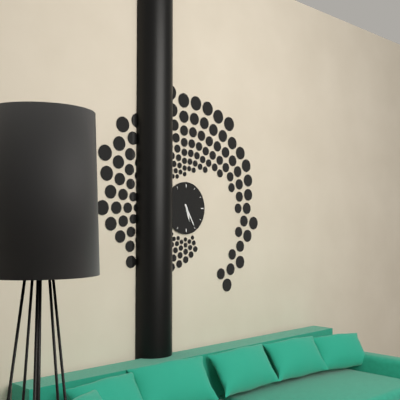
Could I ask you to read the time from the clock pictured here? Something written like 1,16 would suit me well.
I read 5,25
